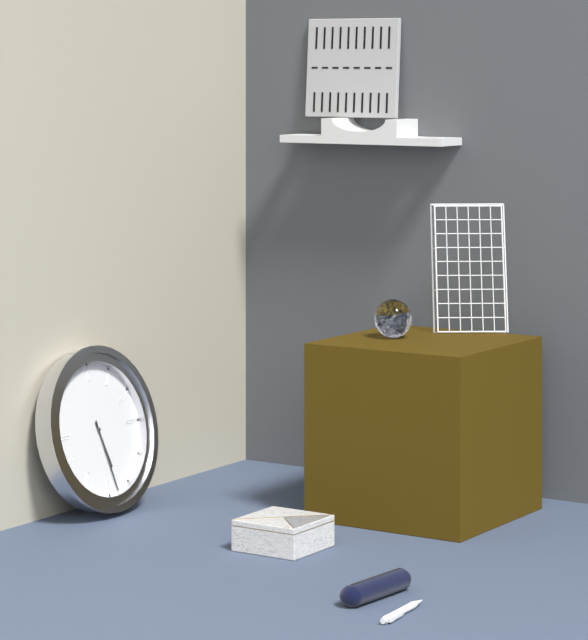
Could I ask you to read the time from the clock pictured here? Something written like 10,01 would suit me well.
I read 5,28
